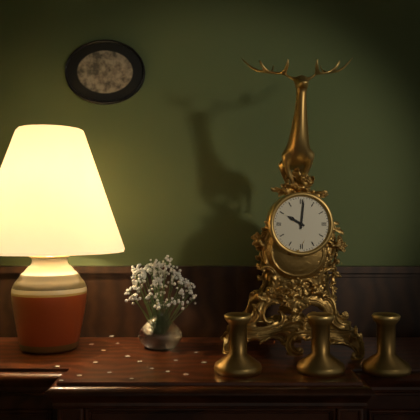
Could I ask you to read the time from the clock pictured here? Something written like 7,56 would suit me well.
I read 10,01
